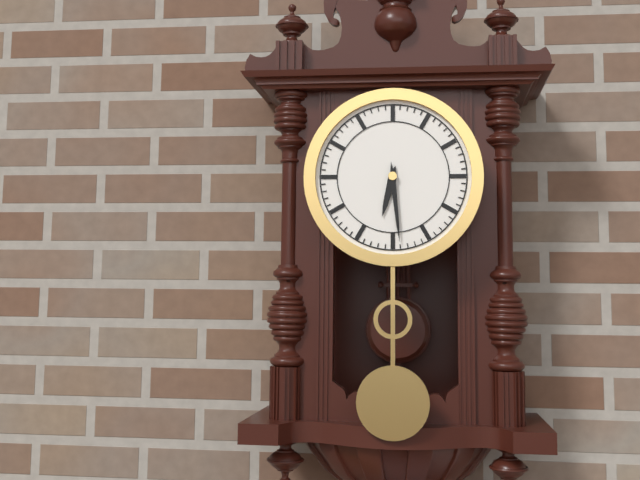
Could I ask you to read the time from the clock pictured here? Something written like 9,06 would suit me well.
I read 6,29
